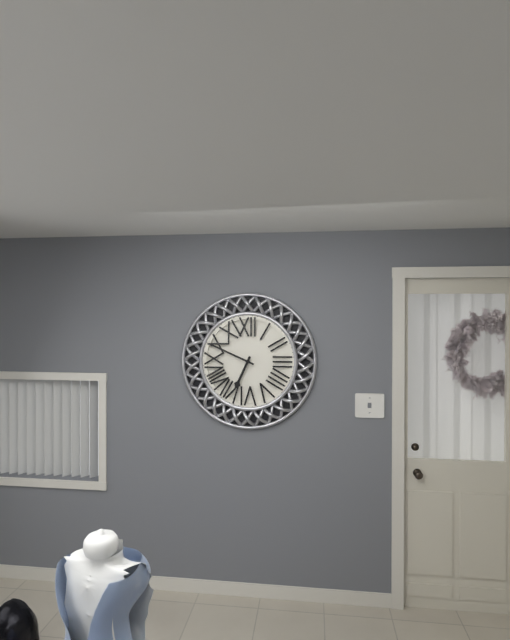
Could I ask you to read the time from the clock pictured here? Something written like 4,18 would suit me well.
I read 6,49
